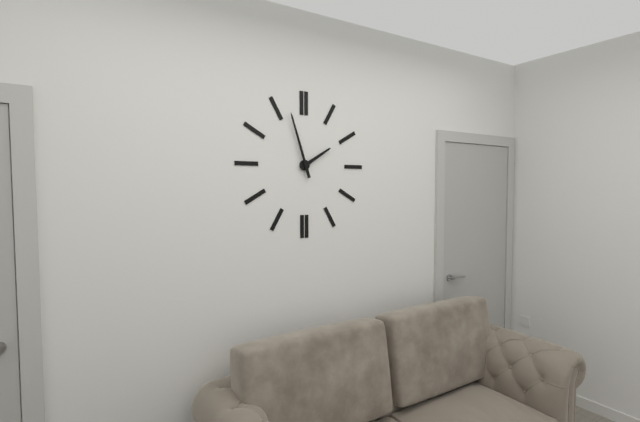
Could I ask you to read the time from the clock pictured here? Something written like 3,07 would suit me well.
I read 1,57
